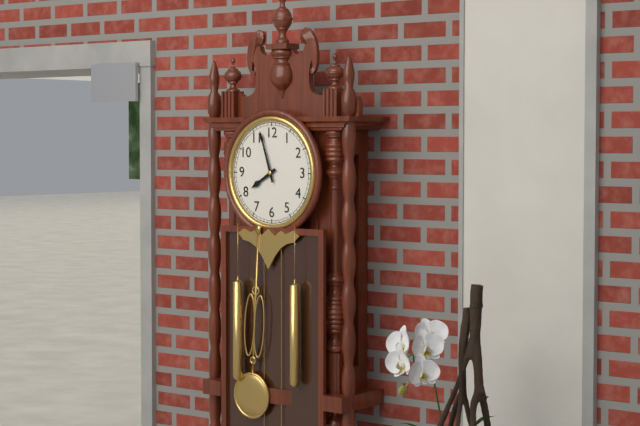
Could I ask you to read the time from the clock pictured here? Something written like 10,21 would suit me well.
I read 7,57
